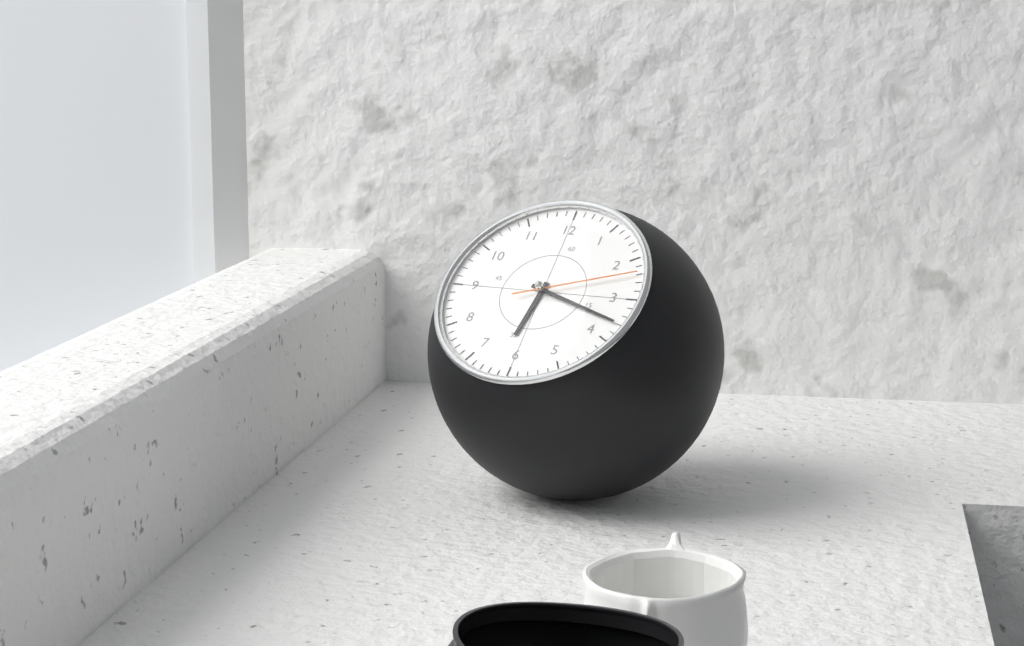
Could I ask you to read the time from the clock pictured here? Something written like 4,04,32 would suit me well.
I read 6,18,12
